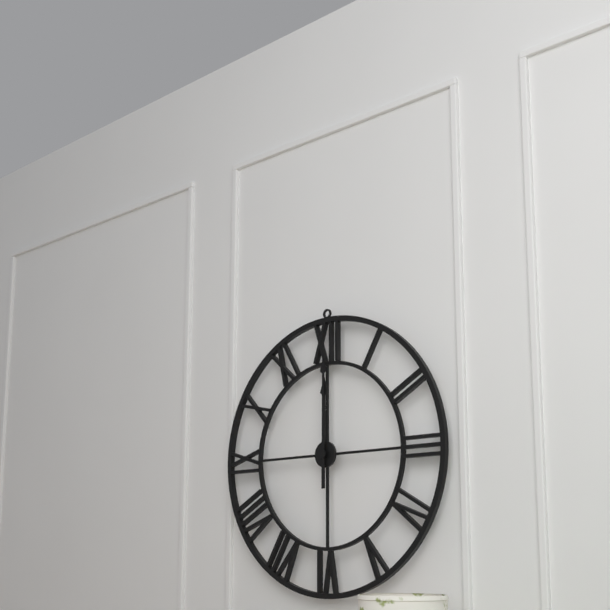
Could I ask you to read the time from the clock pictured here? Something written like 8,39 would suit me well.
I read 12,00
